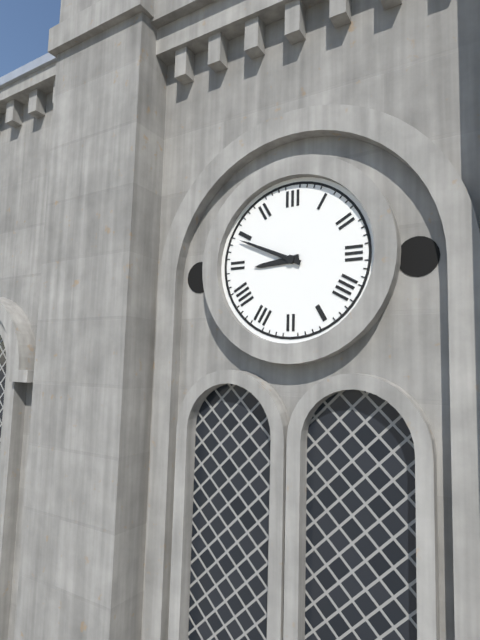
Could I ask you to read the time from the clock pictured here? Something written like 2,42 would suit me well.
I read 8,49
